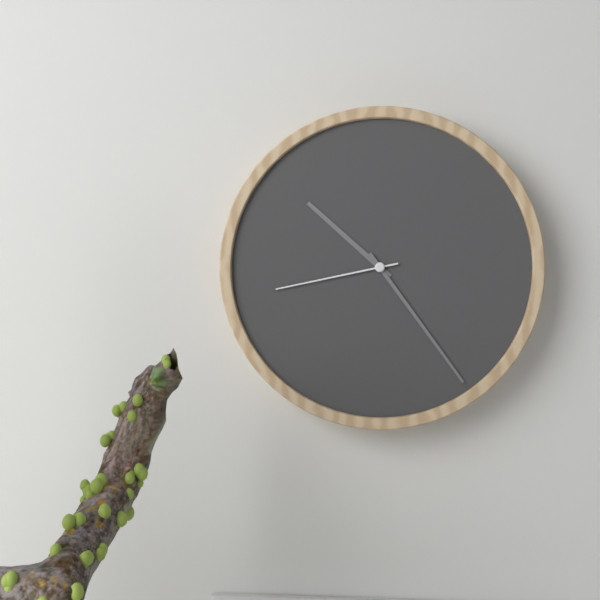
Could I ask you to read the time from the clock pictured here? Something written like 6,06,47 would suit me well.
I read 10,24,43
